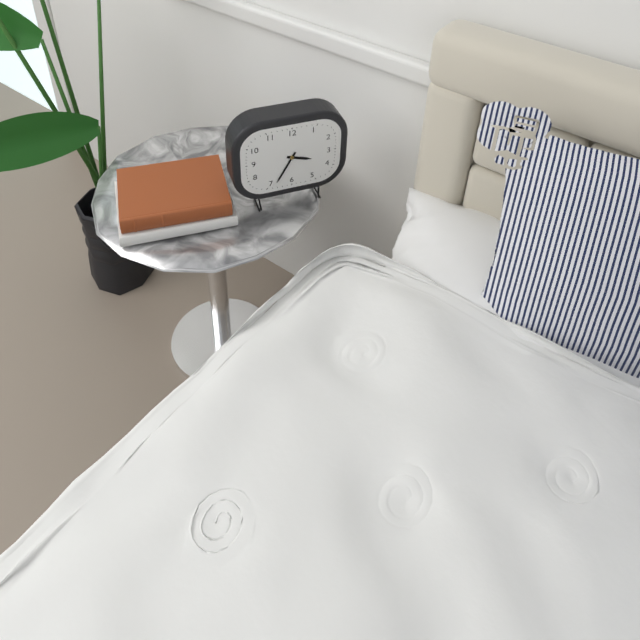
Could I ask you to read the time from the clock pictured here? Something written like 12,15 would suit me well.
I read 3,35
